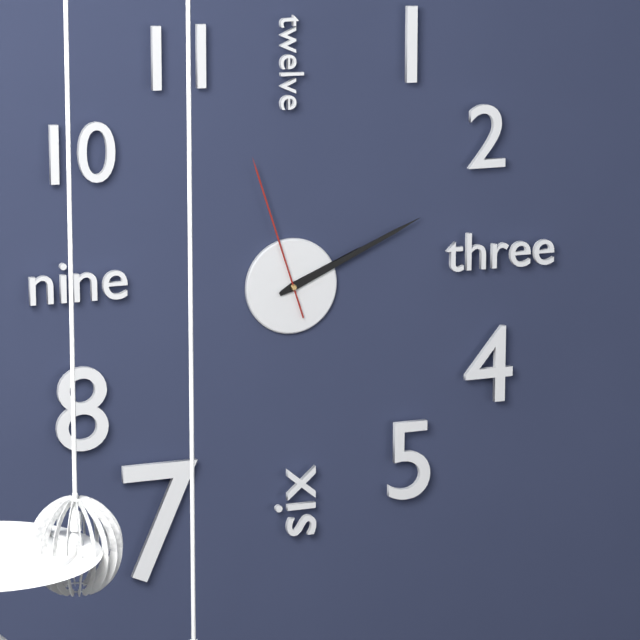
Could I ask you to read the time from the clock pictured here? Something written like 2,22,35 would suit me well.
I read 2,11,57
